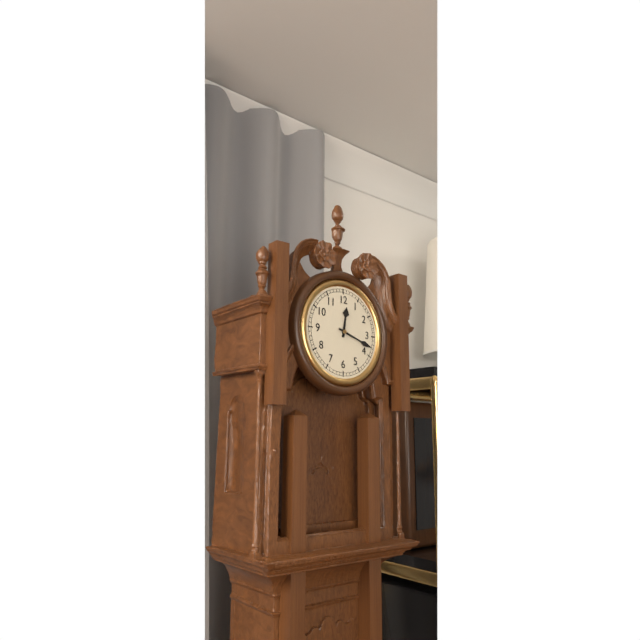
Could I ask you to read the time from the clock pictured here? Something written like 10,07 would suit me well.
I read 12,18
